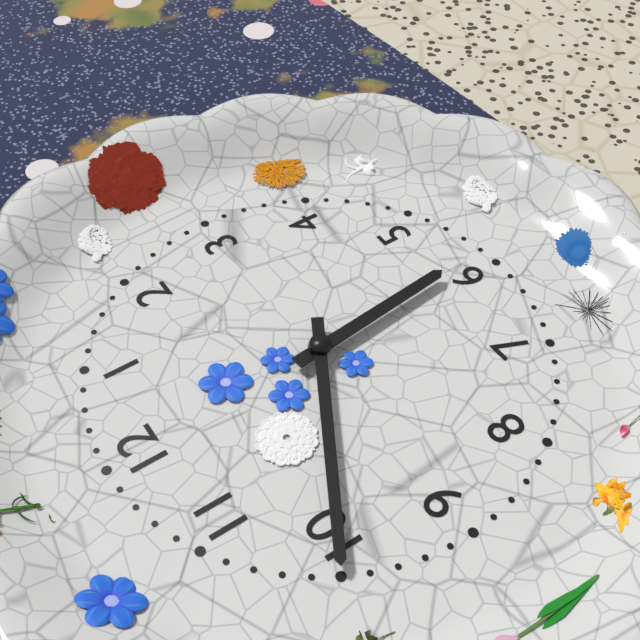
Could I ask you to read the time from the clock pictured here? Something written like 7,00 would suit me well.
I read 5,50
